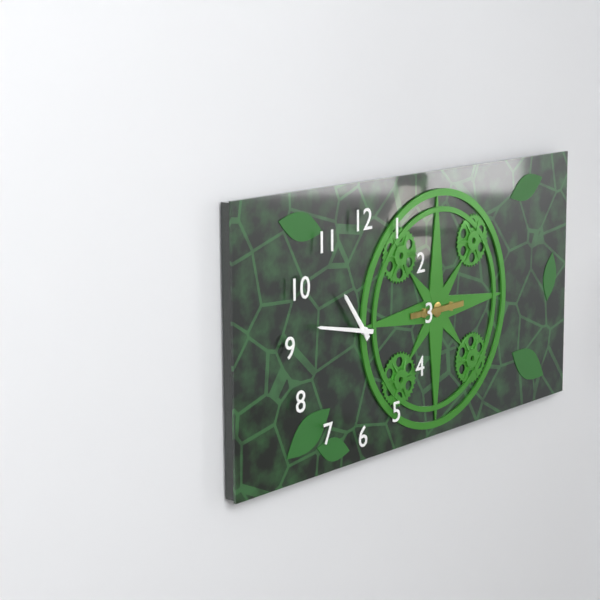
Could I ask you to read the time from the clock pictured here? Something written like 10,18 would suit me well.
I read 10,47
